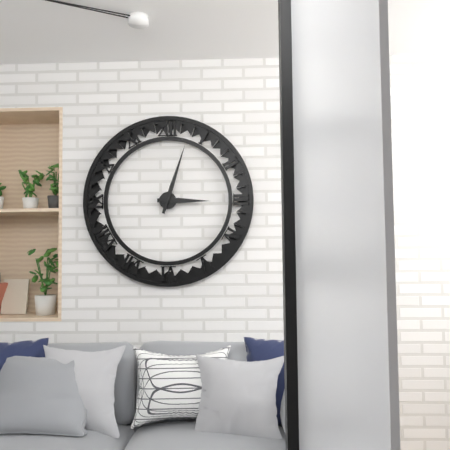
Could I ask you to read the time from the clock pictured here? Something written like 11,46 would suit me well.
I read 3,03
